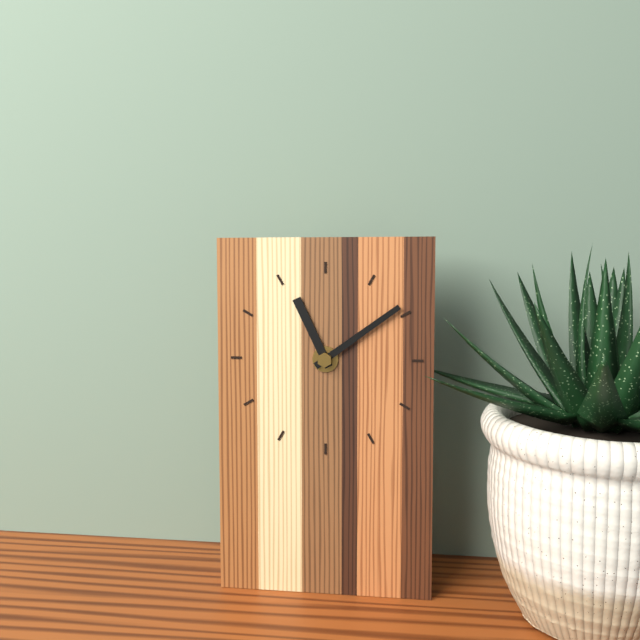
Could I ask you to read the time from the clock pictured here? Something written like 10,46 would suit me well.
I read 11,09
